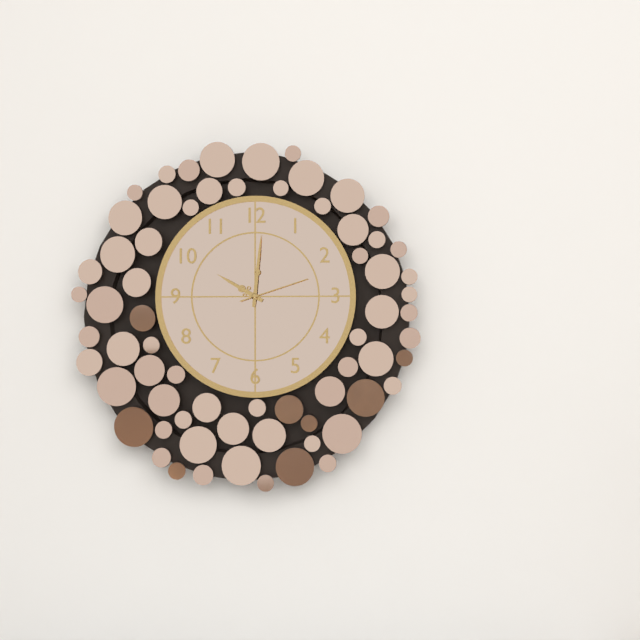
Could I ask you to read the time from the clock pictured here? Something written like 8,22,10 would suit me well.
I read 10,01,12
